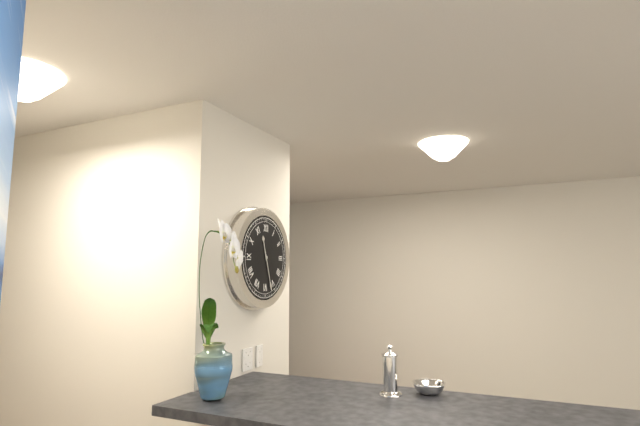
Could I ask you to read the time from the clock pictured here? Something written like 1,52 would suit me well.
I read 11,27
